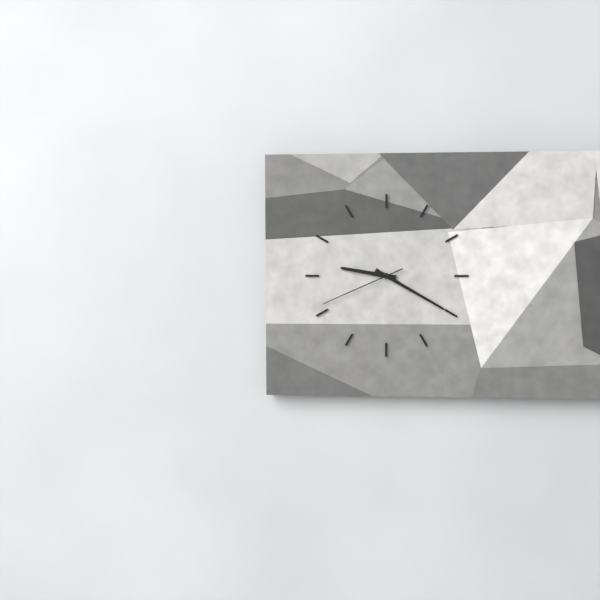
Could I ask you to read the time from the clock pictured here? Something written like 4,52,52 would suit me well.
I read 9,20,41
